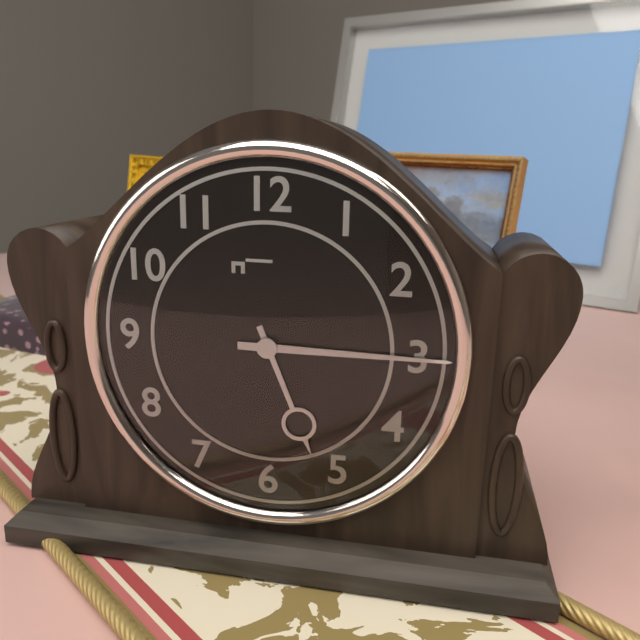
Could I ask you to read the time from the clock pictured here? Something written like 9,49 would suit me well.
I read 5,15
